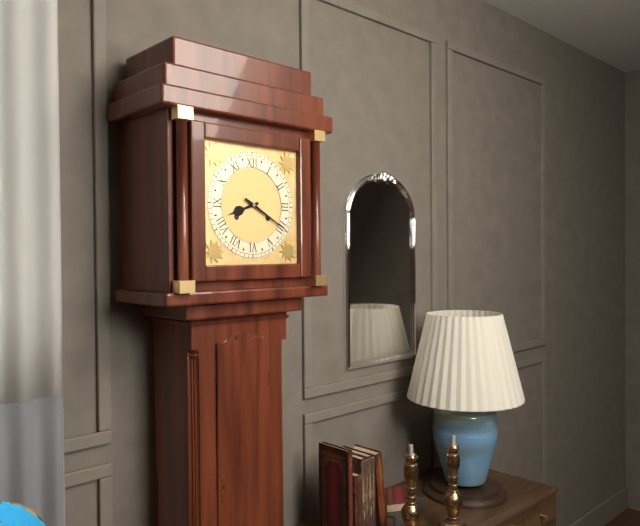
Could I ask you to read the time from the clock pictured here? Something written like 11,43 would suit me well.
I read 8,20
